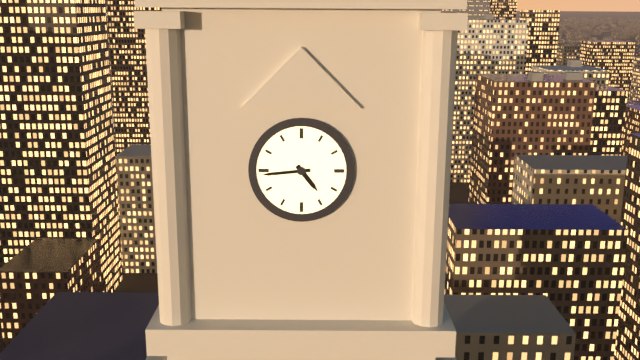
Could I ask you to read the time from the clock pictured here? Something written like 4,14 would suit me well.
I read 4,44
